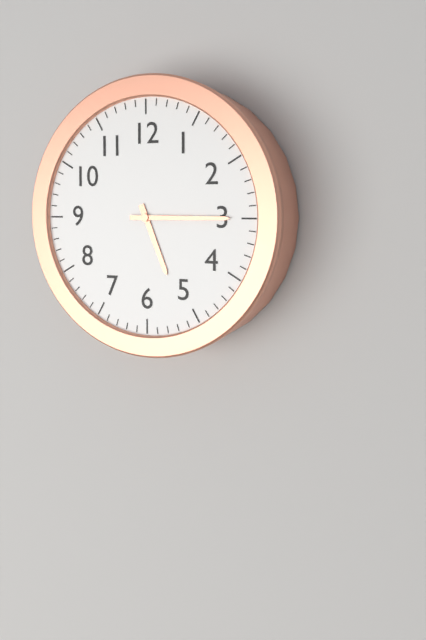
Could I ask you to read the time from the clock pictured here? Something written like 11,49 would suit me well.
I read 5,15
